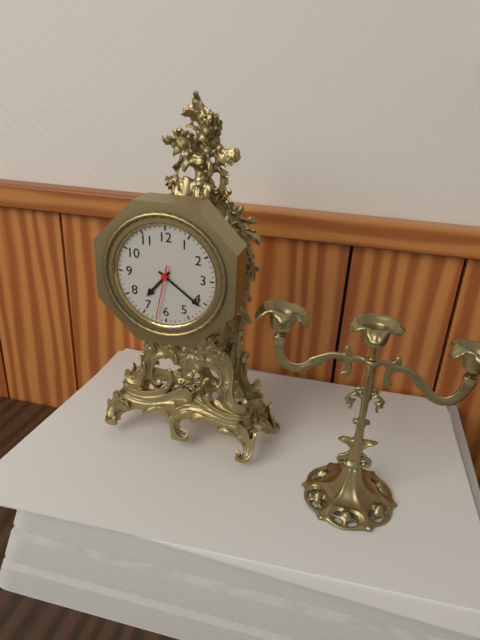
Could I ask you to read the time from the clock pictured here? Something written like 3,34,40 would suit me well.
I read 7,21,32
